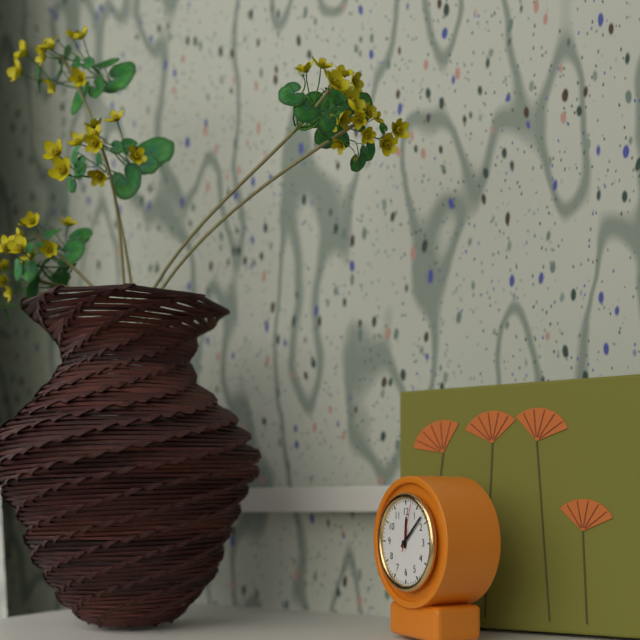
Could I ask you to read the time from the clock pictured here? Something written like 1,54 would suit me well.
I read 12,08
